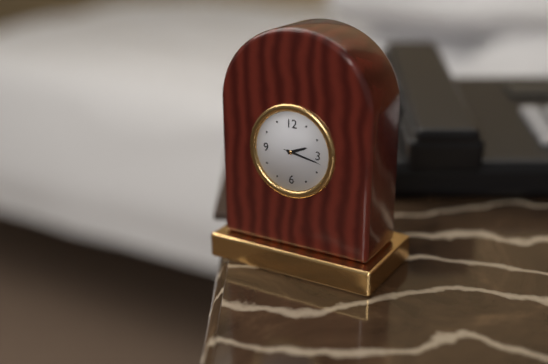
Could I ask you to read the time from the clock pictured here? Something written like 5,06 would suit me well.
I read 2,17
